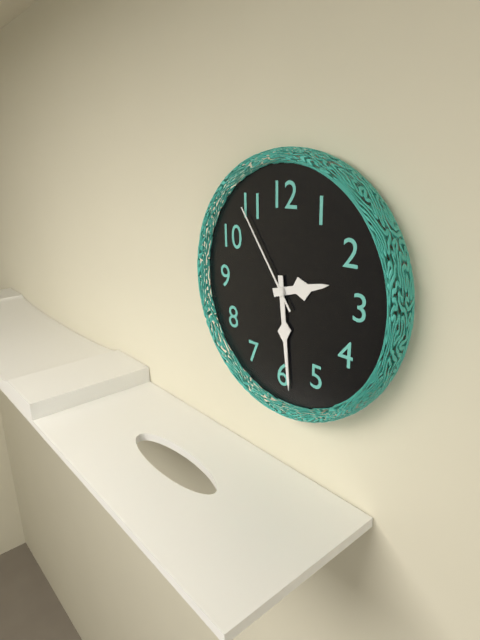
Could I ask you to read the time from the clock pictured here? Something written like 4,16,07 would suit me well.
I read 2,29,54
